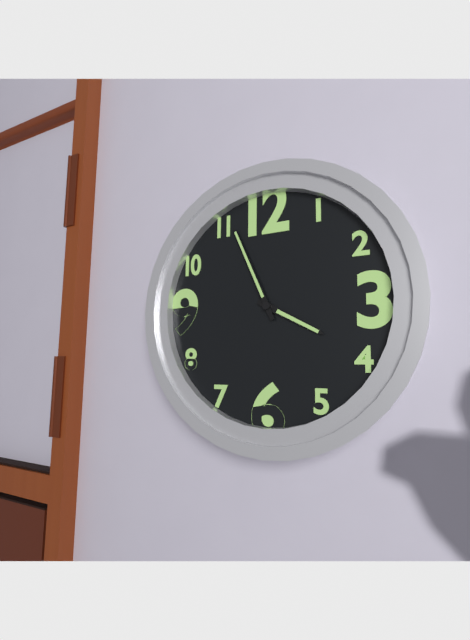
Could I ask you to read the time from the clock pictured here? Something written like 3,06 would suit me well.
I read 3,56
